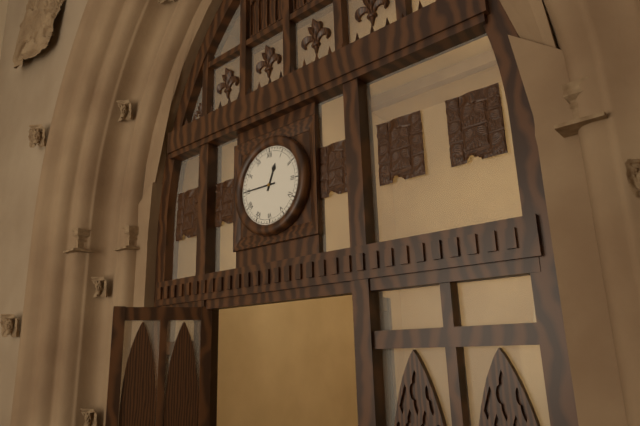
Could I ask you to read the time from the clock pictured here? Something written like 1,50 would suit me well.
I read 12,45
